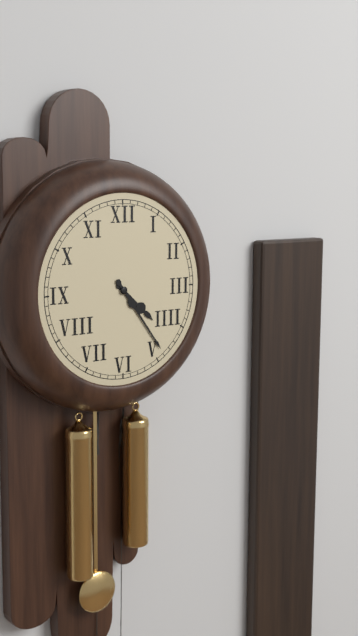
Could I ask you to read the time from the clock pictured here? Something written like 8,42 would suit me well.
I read 4,24
